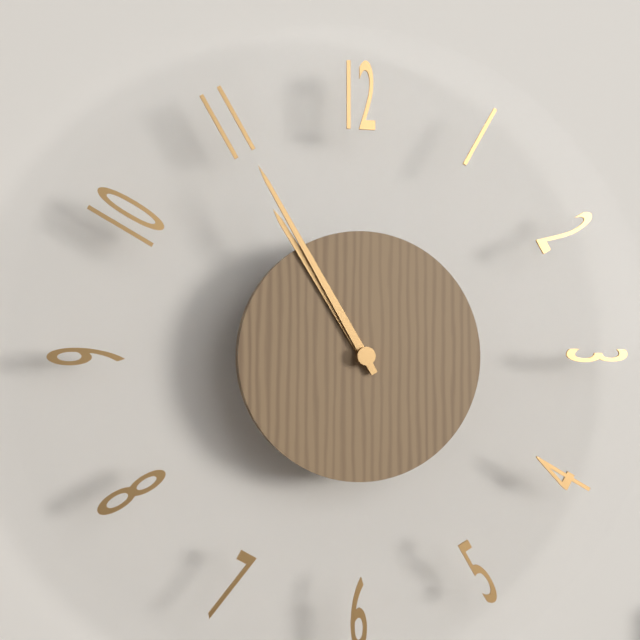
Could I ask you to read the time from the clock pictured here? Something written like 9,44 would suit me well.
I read 10,55
